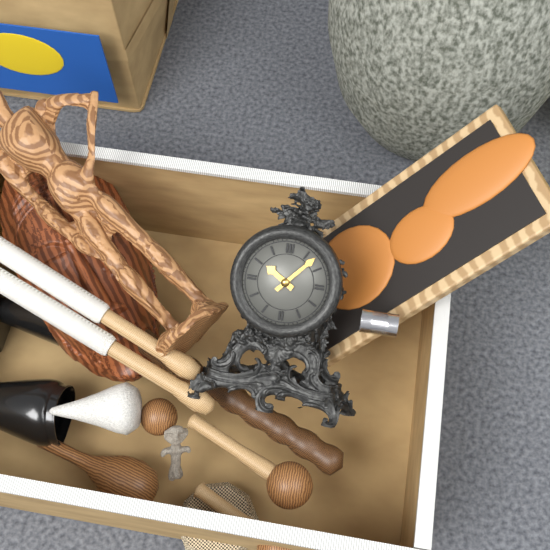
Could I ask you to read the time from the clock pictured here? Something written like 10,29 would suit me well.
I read 10,07
